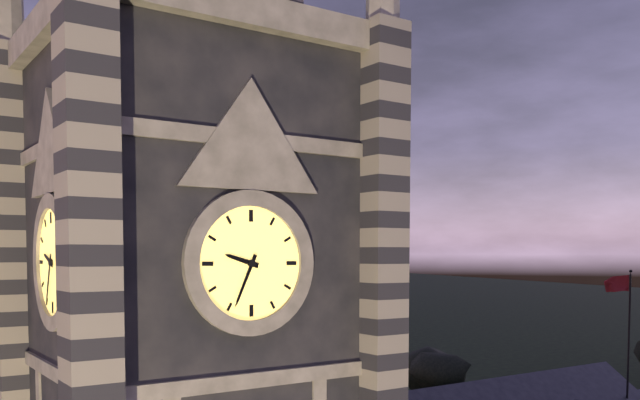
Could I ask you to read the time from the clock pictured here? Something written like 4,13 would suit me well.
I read 9,34
